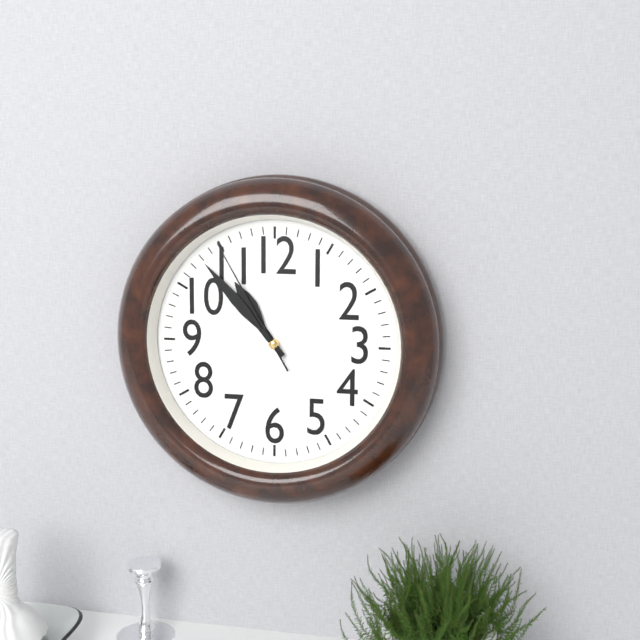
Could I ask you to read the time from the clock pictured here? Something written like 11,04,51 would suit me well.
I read 10,53,55
